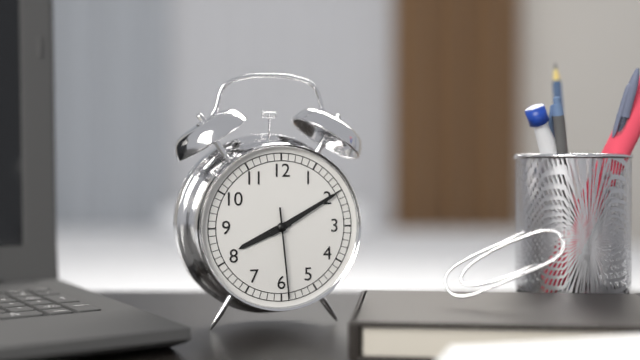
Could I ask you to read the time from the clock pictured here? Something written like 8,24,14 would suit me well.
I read 8,10,29
